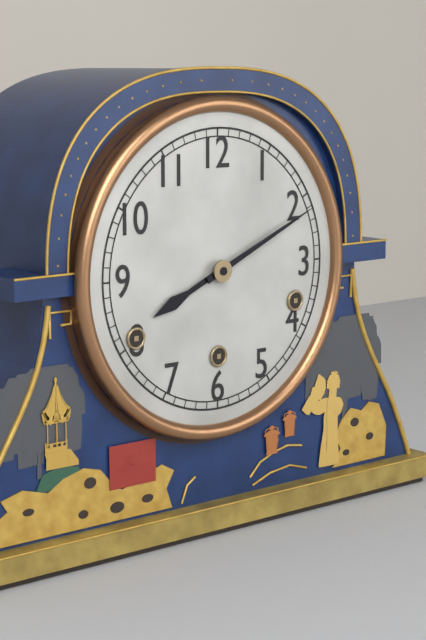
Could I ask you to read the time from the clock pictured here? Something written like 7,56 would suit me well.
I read 8,11
